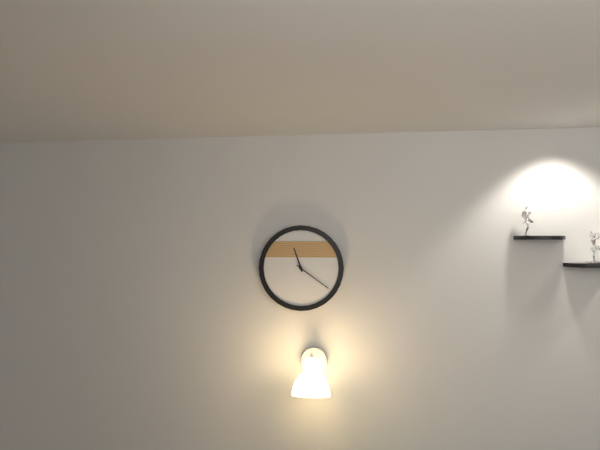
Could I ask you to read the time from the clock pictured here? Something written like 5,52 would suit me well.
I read 11,21
